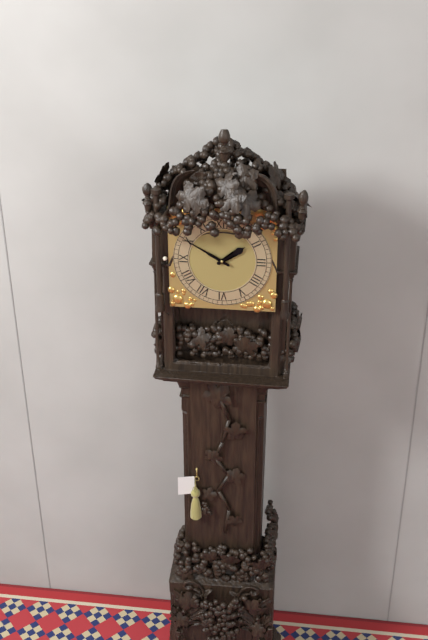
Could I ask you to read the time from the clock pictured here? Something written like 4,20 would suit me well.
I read 1,50
